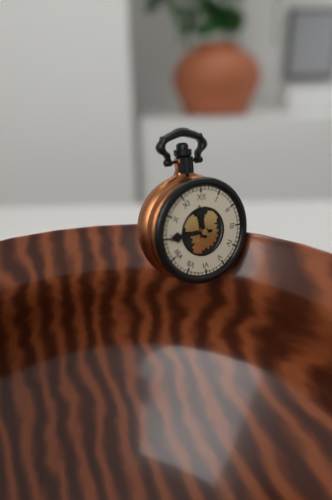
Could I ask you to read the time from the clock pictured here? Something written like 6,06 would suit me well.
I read 11,45
